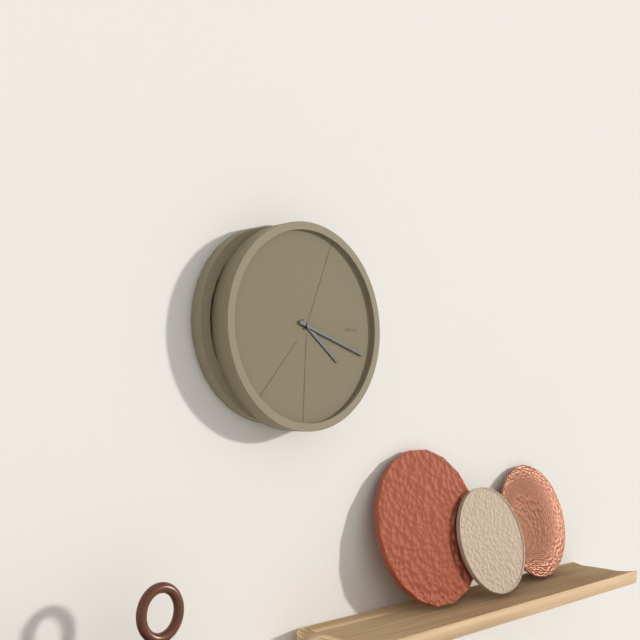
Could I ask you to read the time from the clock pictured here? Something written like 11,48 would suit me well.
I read 4,18
